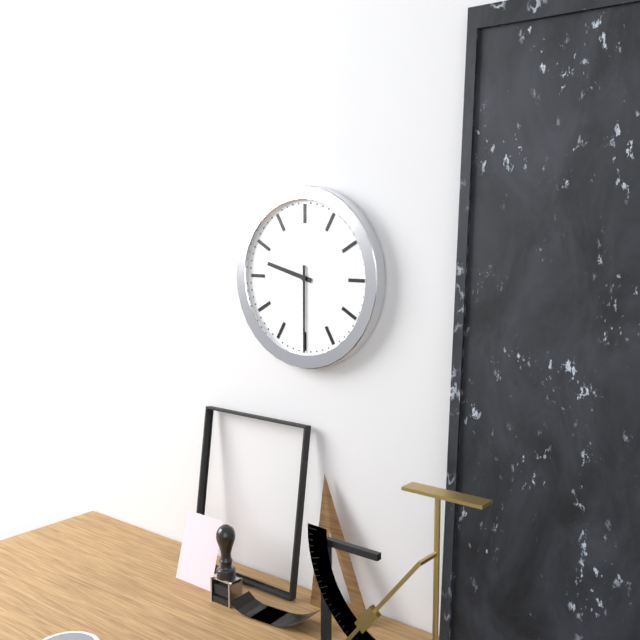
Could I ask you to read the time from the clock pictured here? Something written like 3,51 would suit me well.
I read 9,30
